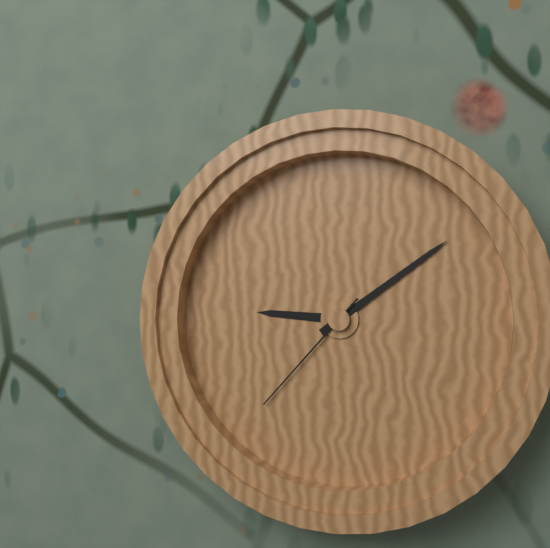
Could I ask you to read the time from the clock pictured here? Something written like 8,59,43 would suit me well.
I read 9,09,37
